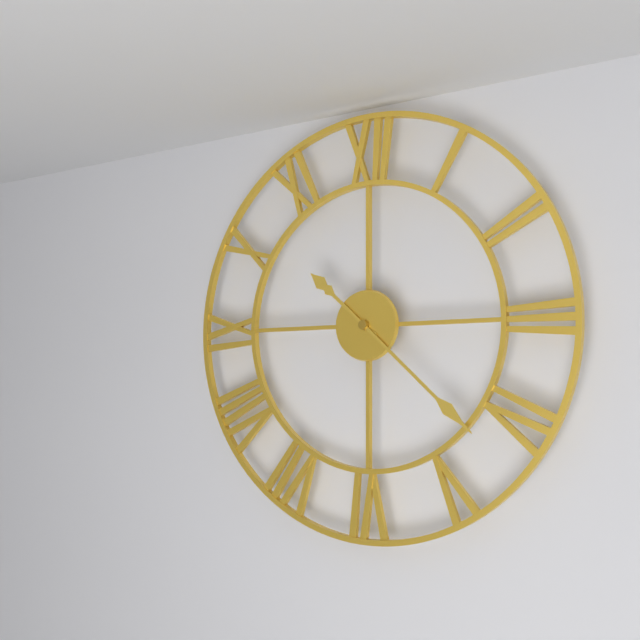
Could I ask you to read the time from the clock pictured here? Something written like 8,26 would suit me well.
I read 10,22
